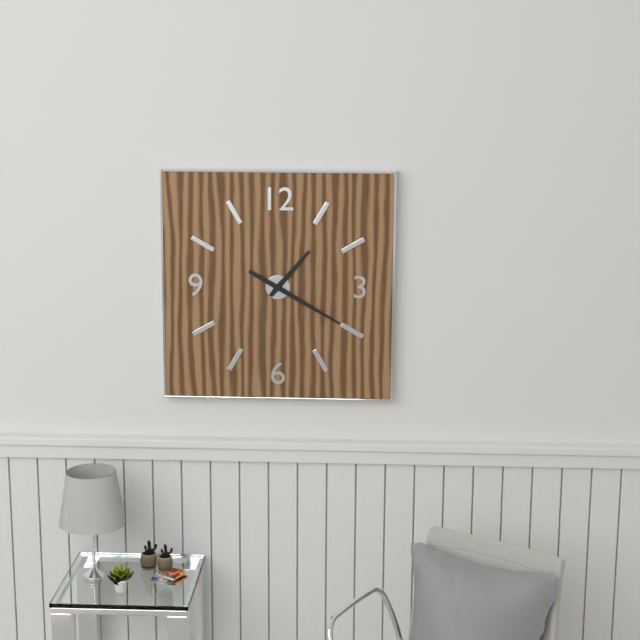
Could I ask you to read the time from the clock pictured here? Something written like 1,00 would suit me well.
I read 1,20
